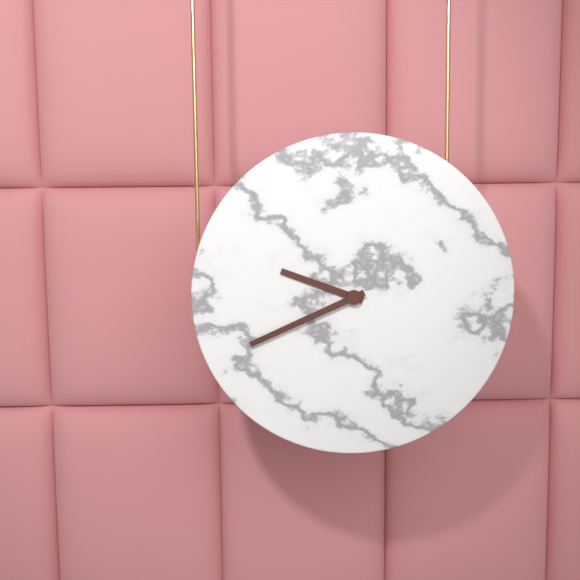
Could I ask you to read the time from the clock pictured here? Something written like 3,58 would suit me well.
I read 9,41
